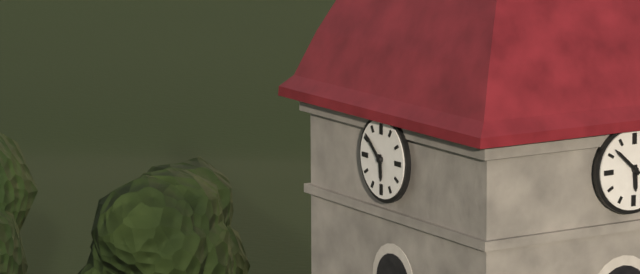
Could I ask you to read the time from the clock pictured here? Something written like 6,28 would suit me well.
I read 5,52
